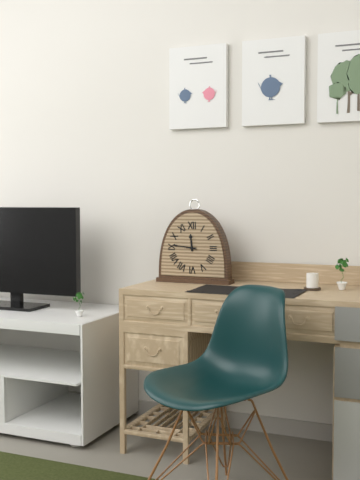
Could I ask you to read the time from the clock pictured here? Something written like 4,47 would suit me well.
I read 11,46
